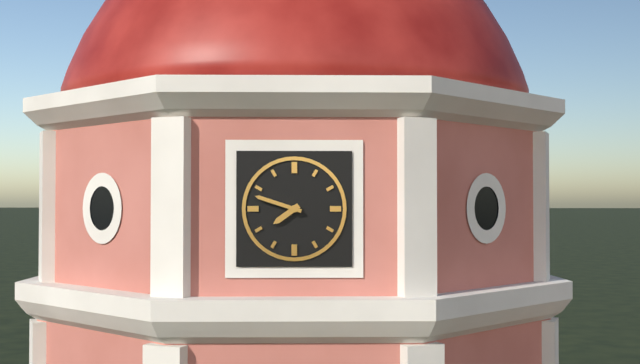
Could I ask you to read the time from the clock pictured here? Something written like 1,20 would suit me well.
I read 7,48
